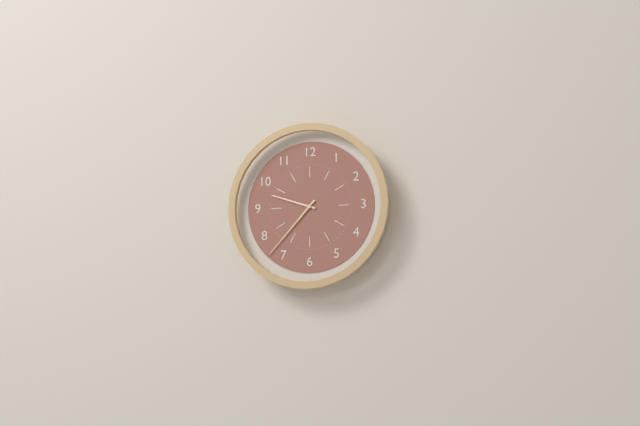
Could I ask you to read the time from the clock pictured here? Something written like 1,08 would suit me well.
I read 9,37
